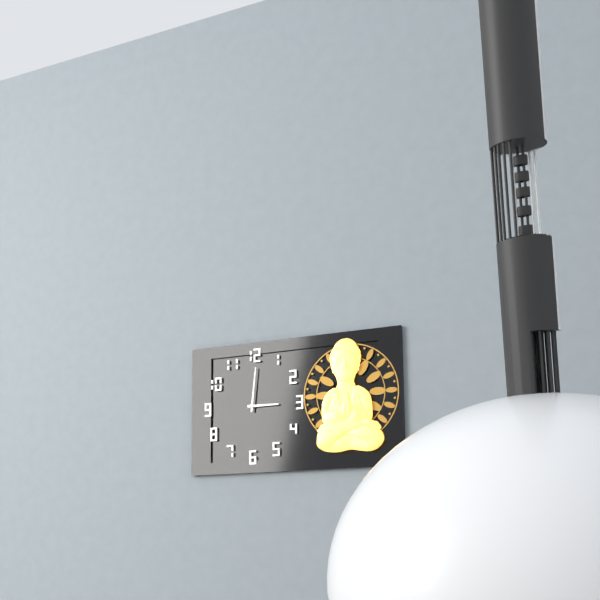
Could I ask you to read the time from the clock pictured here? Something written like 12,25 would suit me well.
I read 3,01
